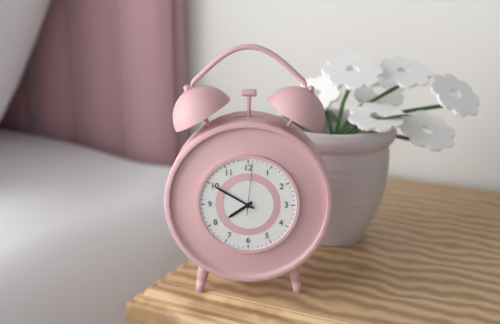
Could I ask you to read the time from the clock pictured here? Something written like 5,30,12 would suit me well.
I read 7,50,01
